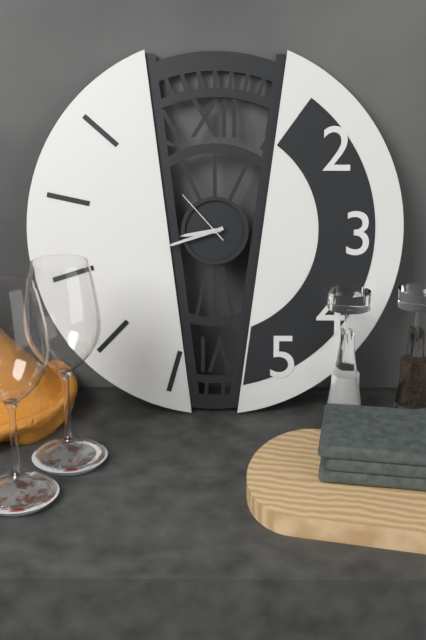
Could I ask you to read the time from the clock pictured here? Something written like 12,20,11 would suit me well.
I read 8,42,53
